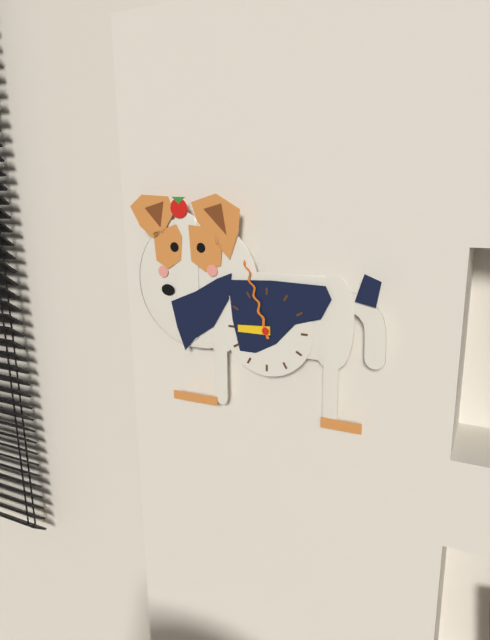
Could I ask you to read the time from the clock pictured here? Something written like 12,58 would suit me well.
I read 8,57
